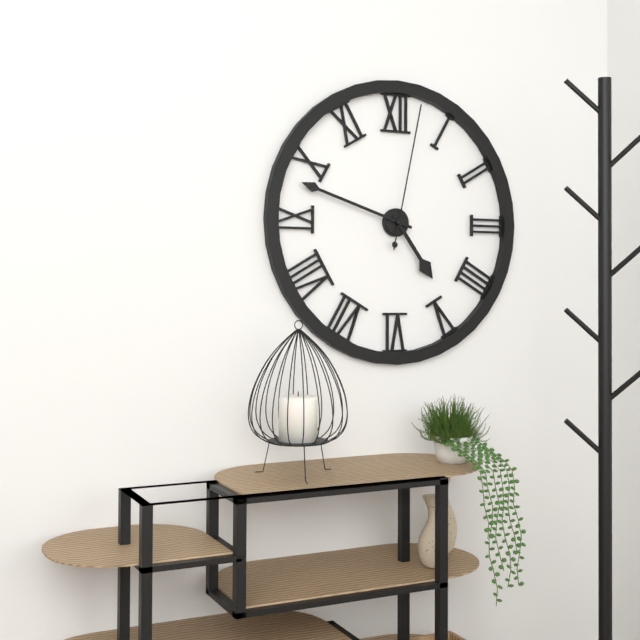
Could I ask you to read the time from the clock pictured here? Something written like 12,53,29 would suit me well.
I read 4,48,02
